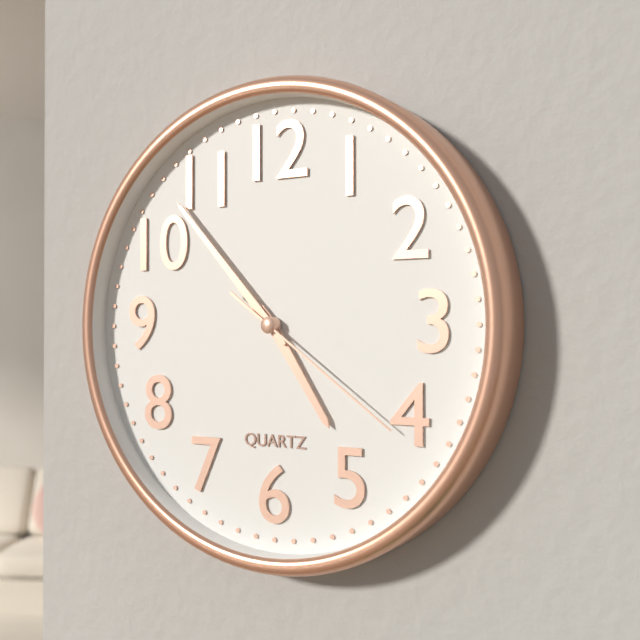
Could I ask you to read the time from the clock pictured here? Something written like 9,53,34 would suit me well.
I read 4,53,21
